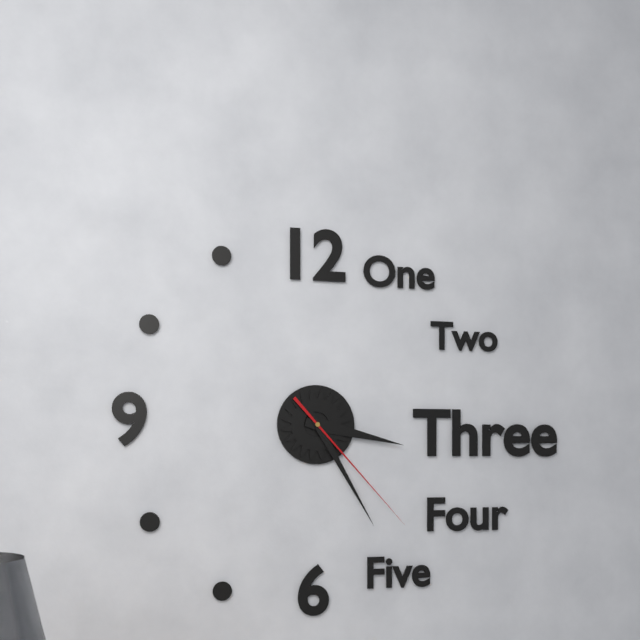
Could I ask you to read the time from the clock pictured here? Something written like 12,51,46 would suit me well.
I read 3,25,23
